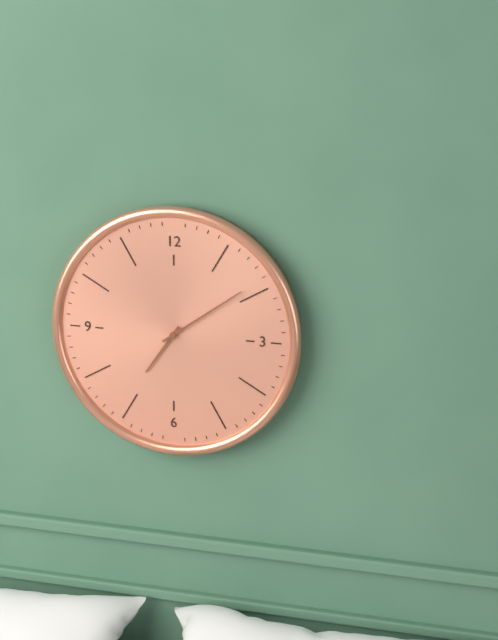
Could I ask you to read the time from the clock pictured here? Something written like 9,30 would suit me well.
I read 7,09
